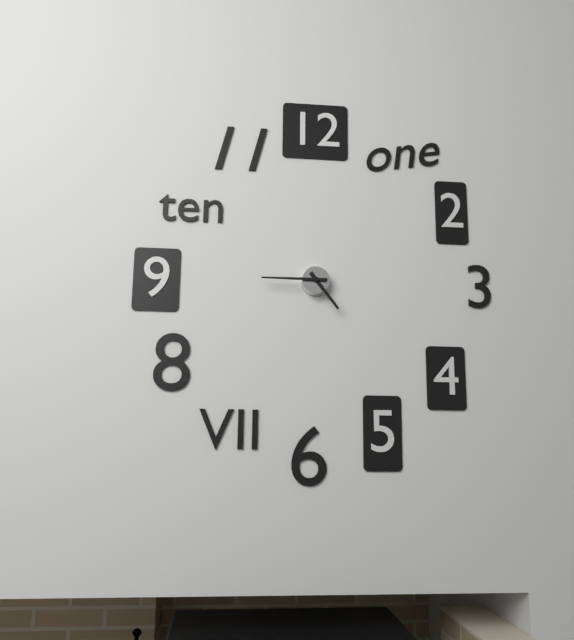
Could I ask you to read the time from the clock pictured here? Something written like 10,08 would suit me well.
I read 4,45
